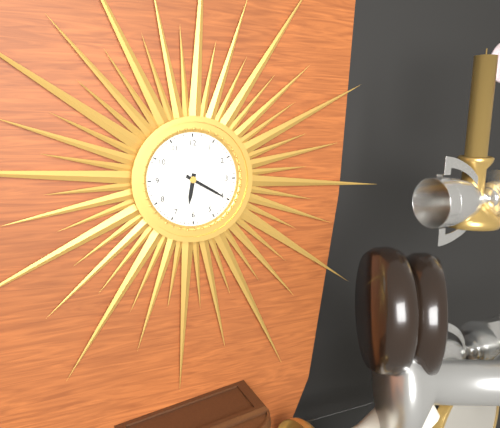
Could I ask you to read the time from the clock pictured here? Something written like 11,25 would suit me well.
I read 6,20
